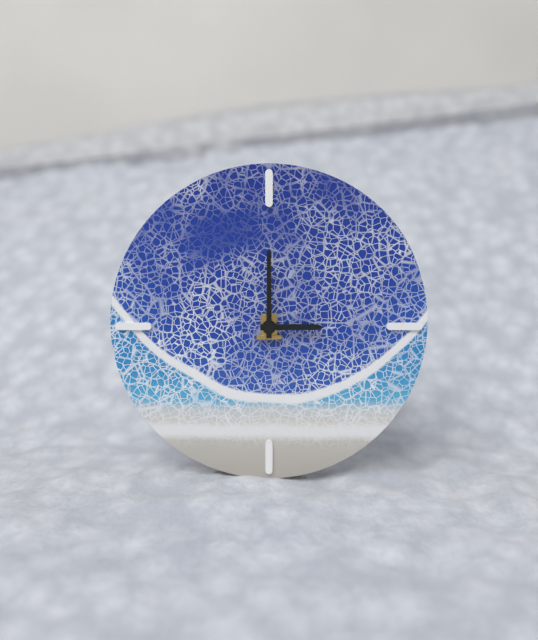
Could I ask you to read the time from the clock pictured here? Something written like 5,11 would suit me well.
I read 3,00
